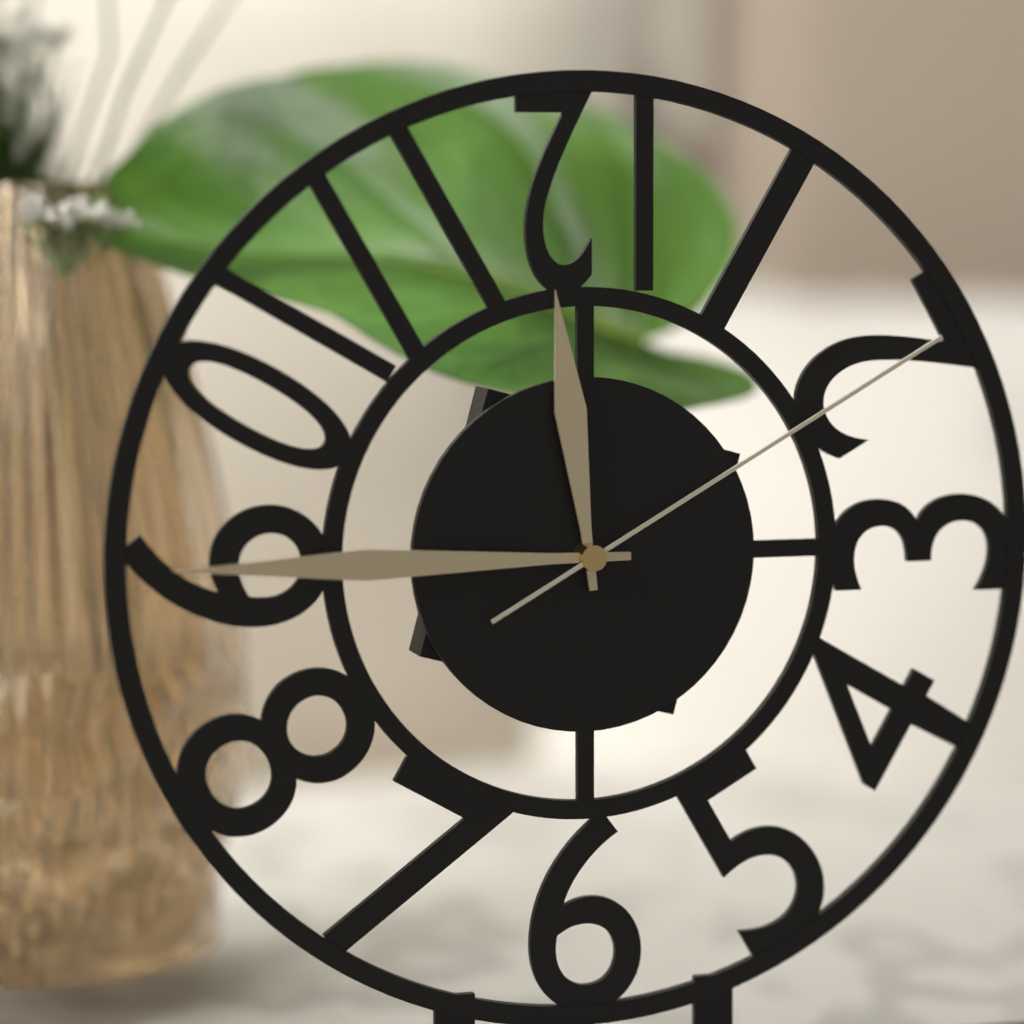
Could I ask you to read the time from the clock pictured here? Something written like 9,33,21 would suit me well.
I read 11,45,10
